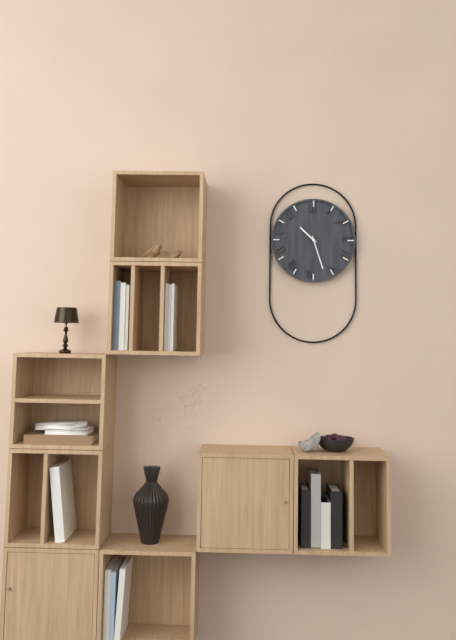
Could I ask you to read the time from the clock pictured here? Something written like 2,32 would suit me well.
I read 10,27
